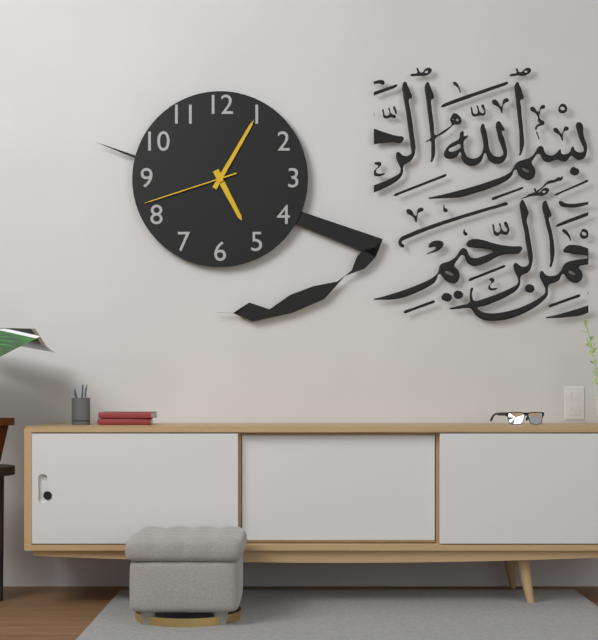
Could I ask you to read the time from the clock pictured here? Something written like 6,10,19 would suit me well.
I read 5,05,42
